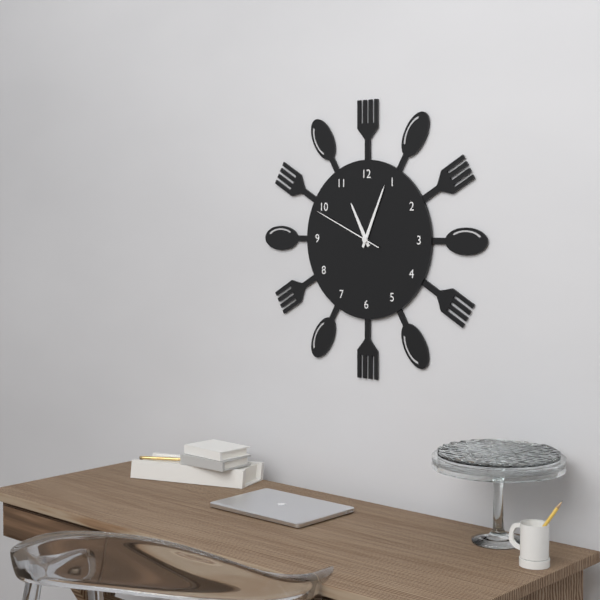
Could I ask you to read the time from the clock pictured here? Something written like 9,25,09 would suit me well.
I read 11,04,49
